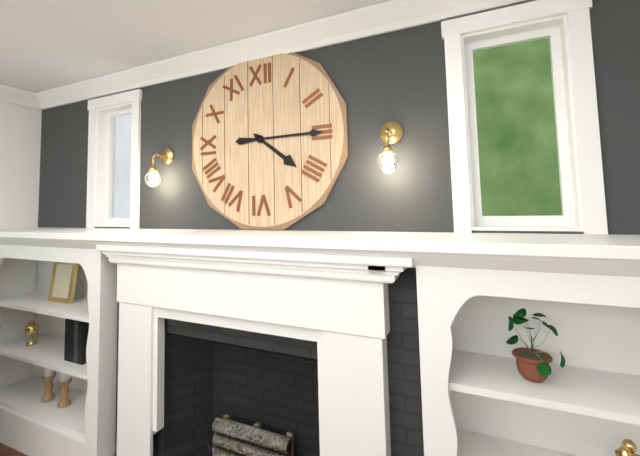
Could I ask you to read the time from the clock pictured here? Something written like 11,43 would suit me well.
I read 4,15
